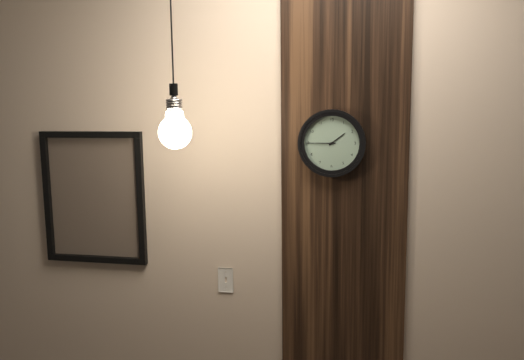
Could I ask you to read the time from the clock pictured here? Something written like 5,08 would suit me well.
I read 1,45
